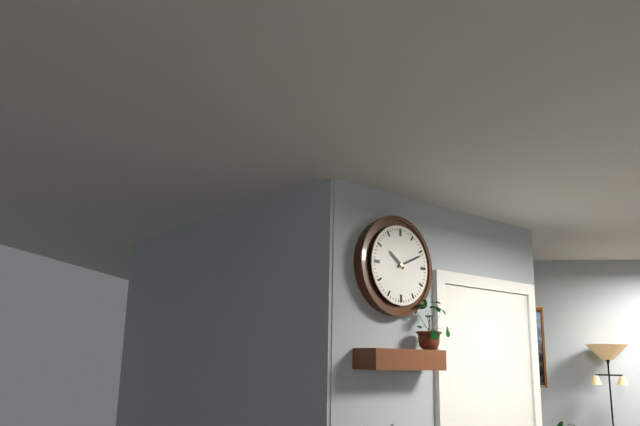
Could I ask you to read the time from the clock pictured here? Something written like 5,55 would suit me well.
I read 10,11
